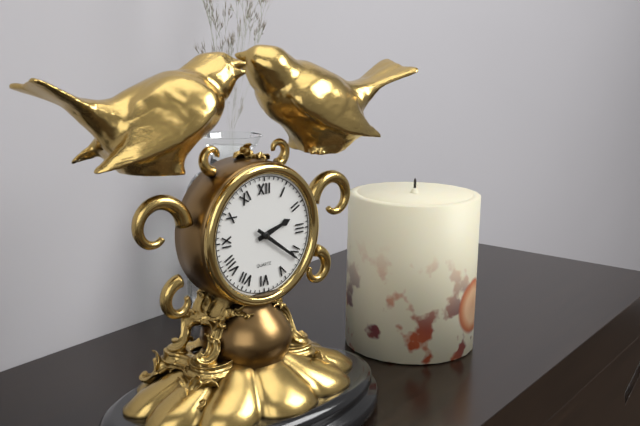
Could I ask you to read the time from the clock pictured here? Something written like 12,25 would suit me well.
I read 2,21
